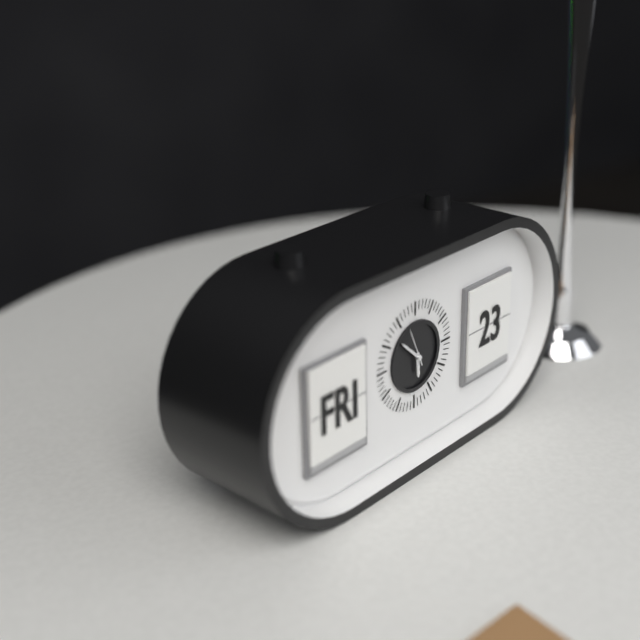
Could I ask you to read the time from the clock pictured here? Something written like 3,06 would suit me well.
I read 5,52
